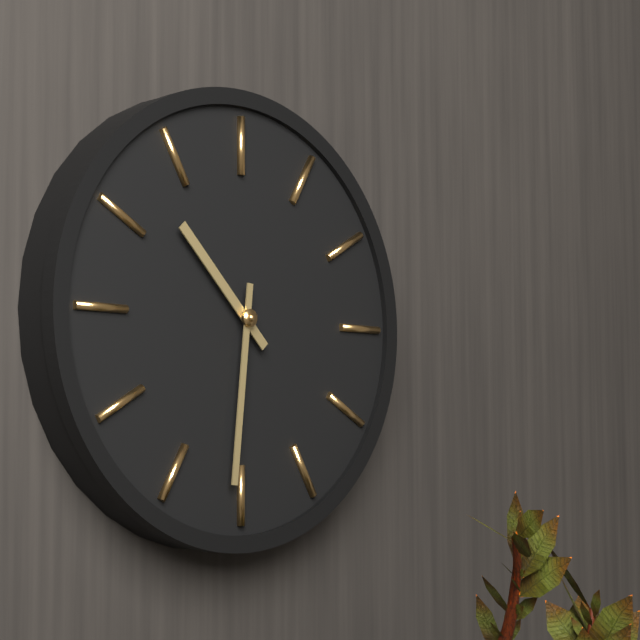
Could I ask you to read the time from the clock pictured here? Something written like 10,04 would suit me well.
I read 10,31
